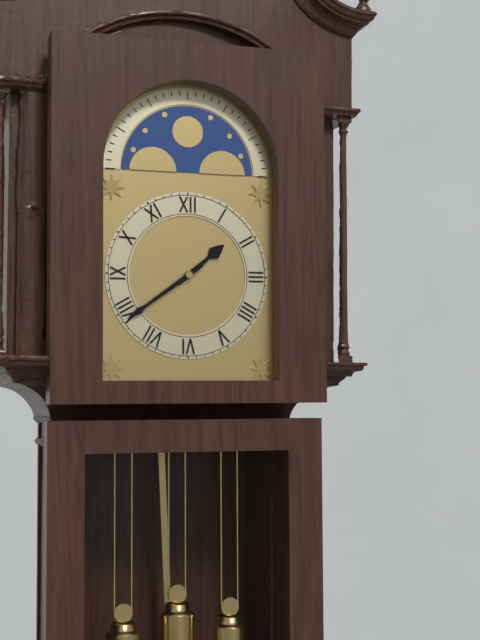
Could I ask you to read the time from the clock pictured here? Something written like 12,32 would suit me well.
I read 1,39
